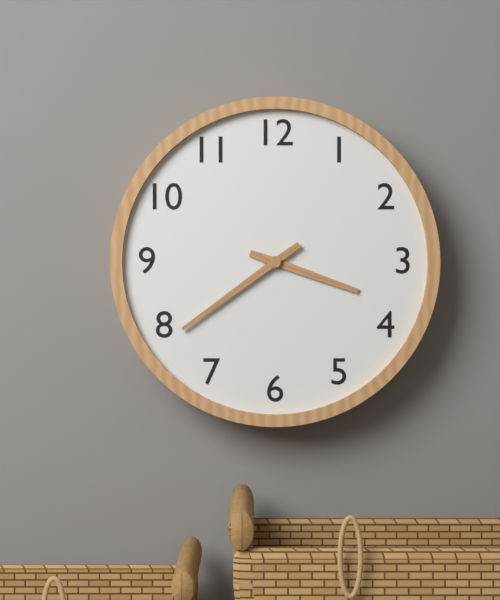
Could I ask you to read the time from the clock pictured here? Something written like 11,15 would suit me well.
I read 3,39
